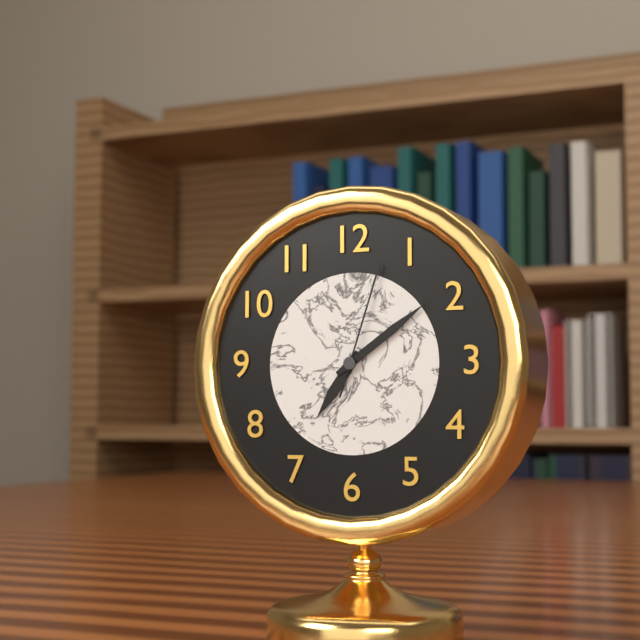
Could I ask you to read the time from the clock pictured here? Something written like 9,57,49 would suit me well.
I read 7,09,03
